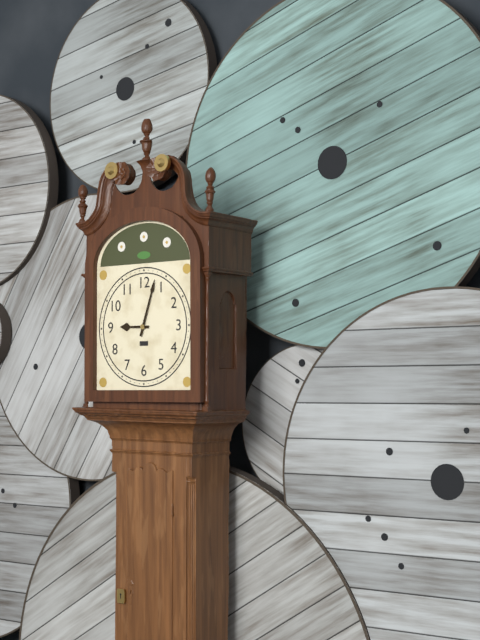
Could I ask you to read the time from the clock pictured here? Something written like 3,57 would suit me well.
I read 9,03
